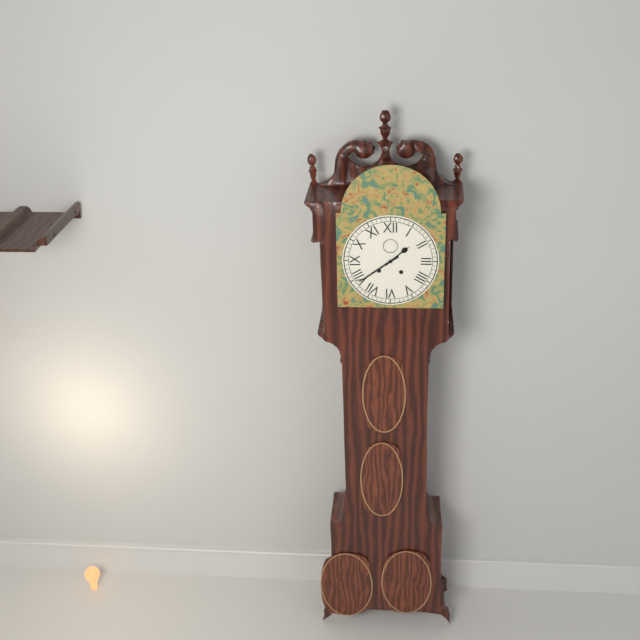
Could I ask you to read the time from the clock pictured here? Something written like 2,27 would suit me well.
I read 1,39
